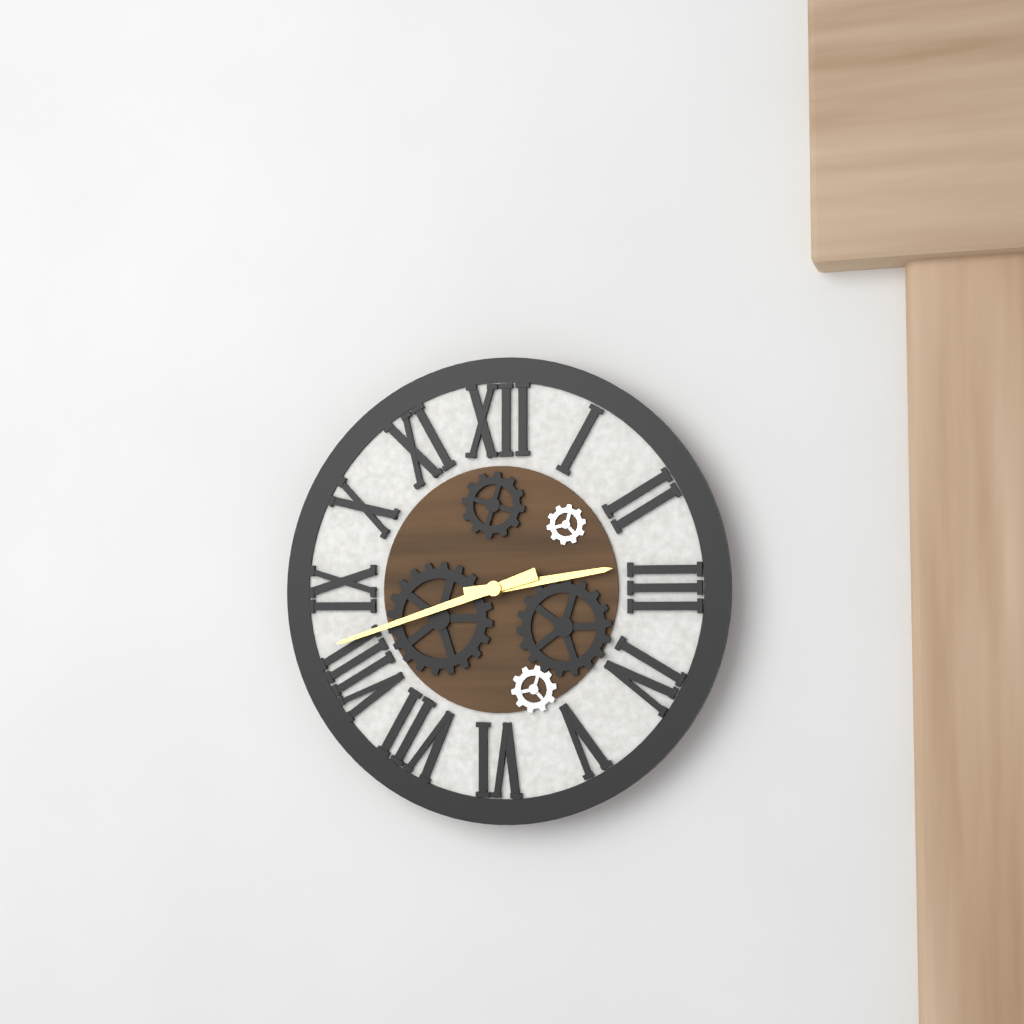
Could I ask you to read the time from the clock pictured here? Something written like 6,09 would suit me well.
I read 2,42
